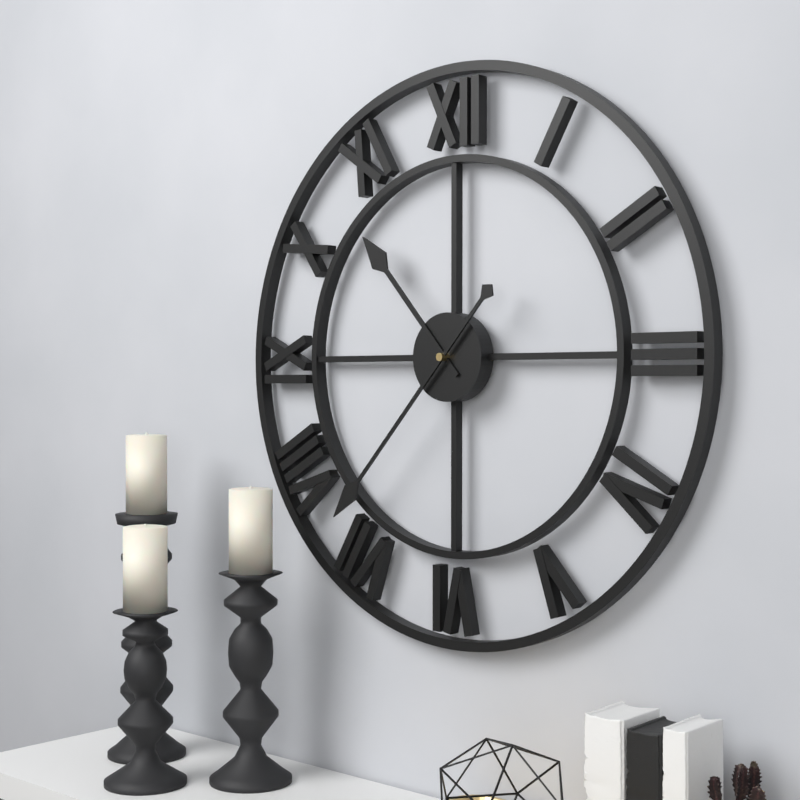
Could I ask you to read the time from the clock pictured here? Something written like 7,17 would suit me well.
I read 10,37
